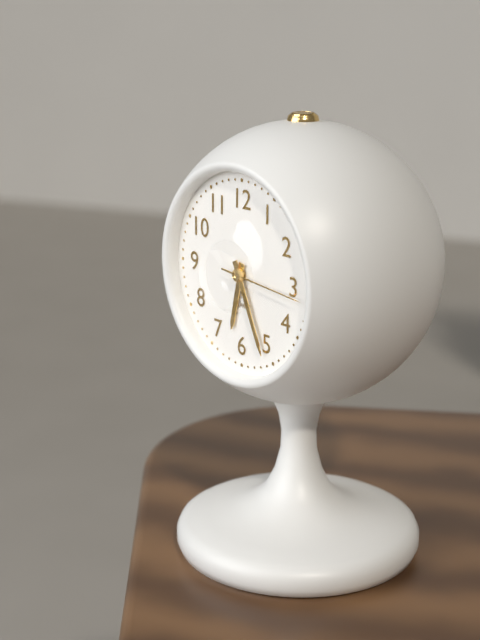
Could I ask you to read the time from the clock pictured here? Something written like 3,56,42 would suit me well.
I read 6,26,16
